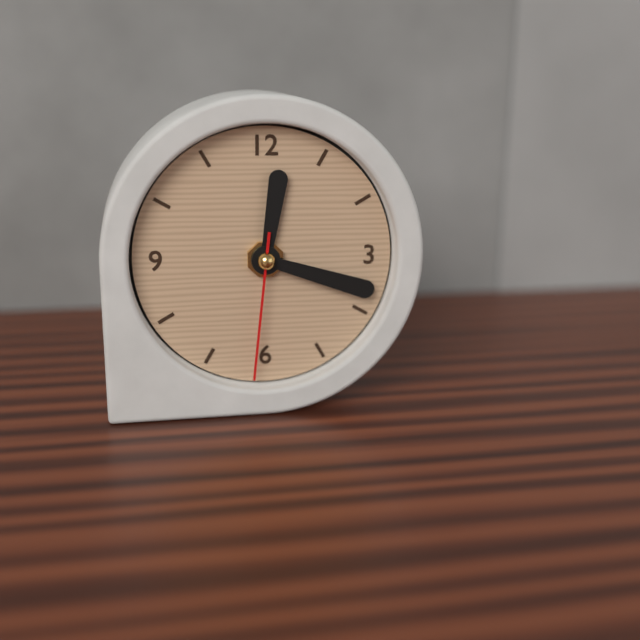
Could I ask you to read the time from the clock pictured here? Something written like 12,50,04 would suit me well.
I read 12,18,31
